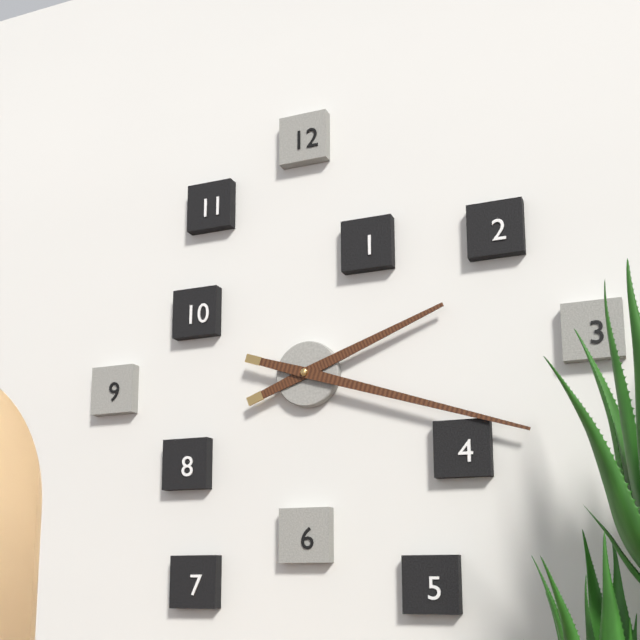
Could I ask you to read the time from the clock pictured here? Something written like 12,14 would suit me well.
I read 2,18
